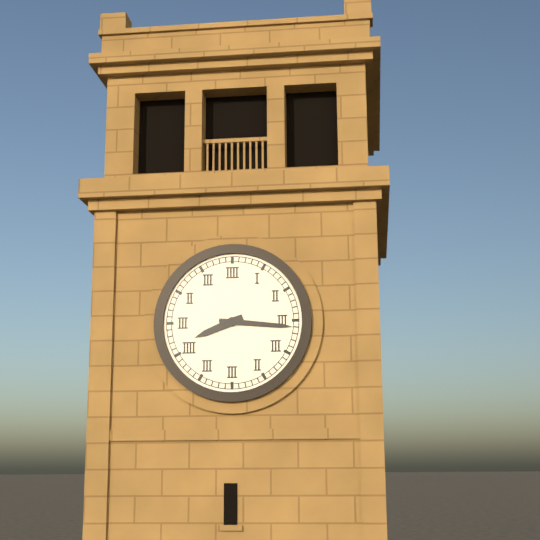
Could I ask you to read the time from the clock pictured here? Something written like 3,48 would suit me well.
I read 8,16
